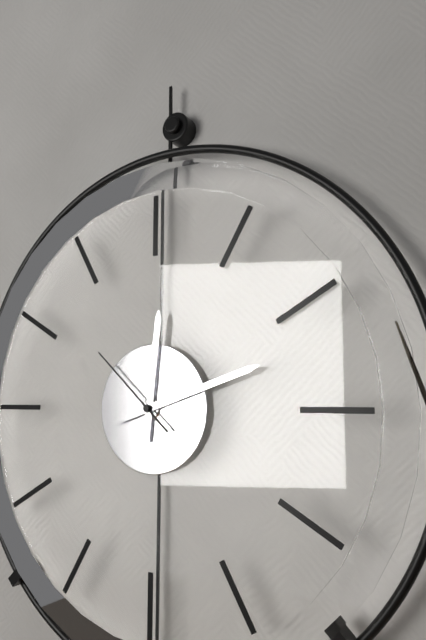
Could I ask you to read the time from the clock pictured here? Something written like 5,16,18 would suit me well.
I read 12,12,52
